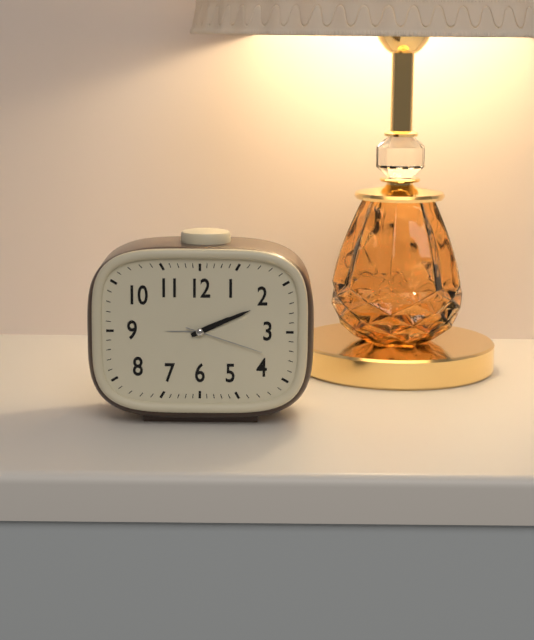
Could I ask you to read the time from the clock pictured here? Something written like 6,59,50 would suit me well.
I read 2,11,18
